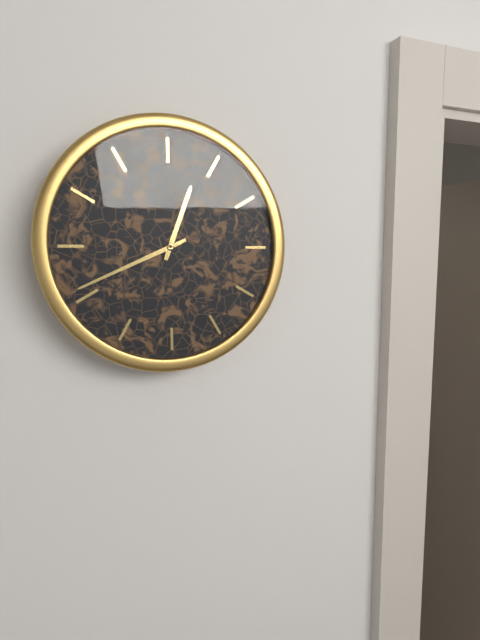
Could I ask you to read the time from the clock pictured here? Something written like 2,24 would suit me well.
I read 12,41
